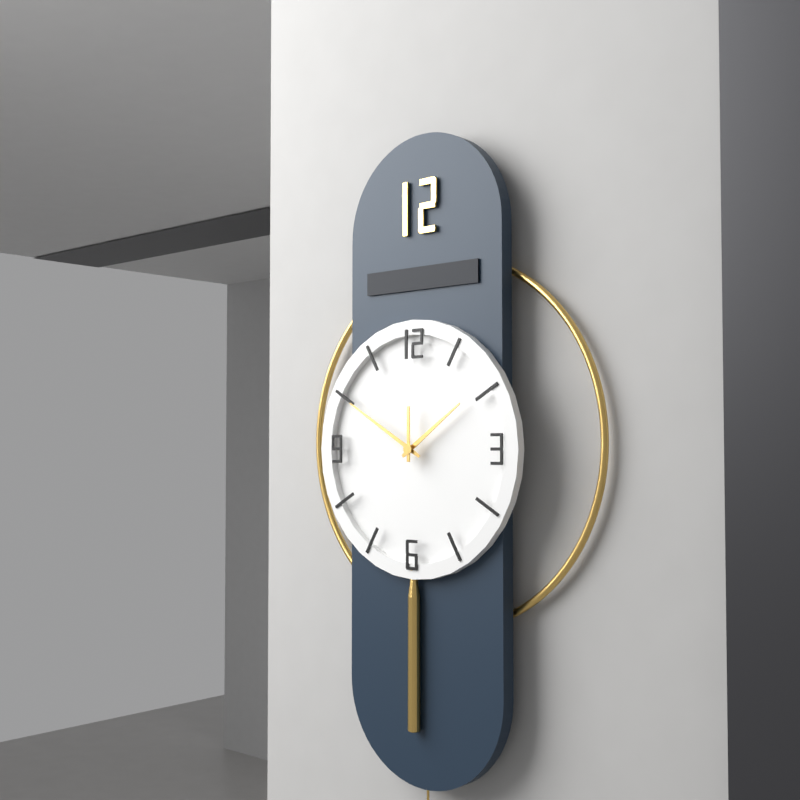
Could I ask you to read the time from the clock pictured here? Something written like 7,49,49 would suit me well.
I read 1,50,00
